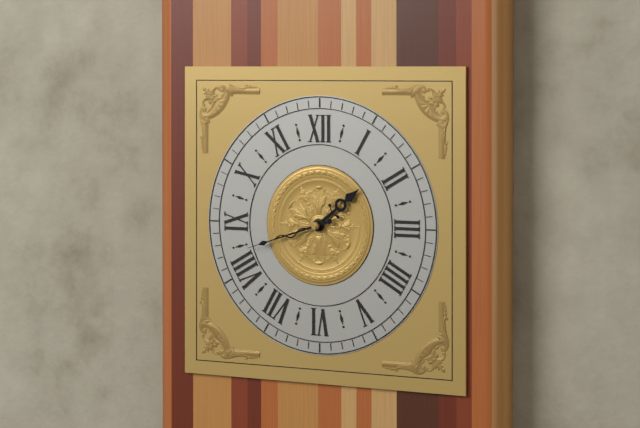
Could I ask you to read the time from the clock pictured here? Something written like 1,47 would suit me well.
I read 1,42
